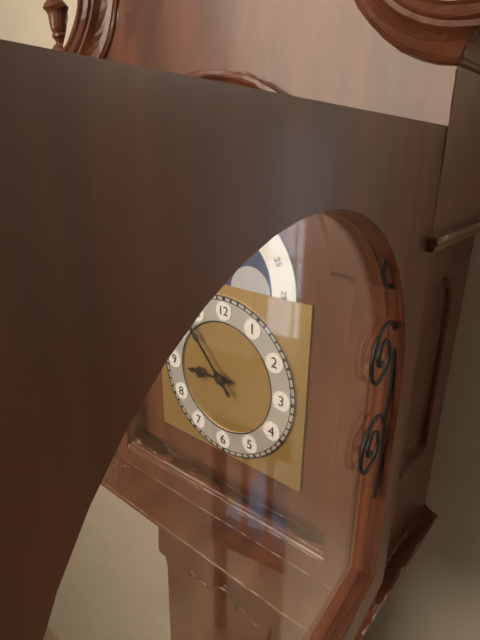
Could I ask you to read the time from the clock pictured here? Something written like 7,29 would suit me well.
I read 8,53
